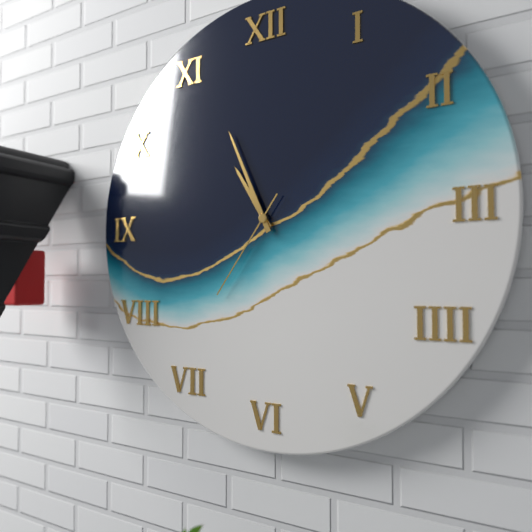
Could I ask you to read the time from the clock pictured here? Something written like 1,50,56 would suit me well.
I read 10,56,36
